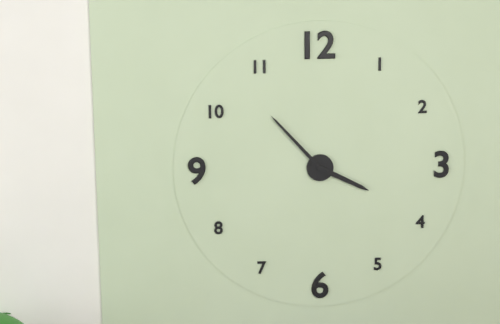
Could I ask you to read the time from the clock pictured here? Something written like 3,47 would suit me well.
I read 3,53
